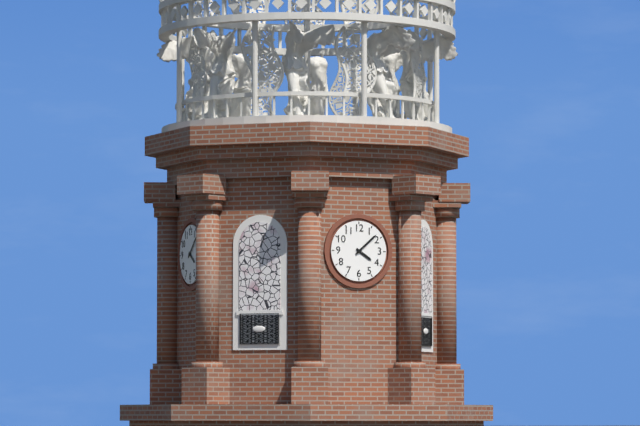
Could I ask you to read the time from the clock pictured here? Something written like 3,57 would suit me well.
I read 4,08
